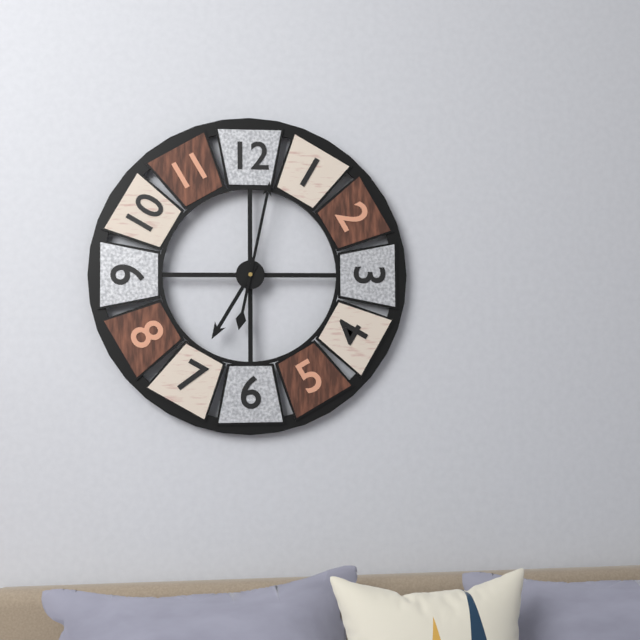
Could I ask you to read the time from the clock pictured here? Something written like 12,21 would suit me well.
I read 7,02
